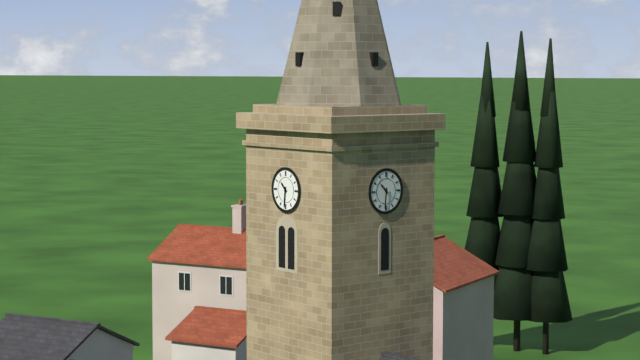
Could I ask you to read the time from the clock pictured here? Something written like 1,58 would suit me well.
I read 10,31
